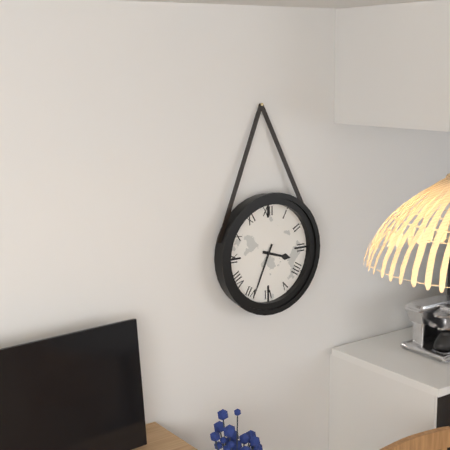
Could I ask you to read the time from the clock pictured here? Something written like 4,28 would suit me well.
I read 3,34
